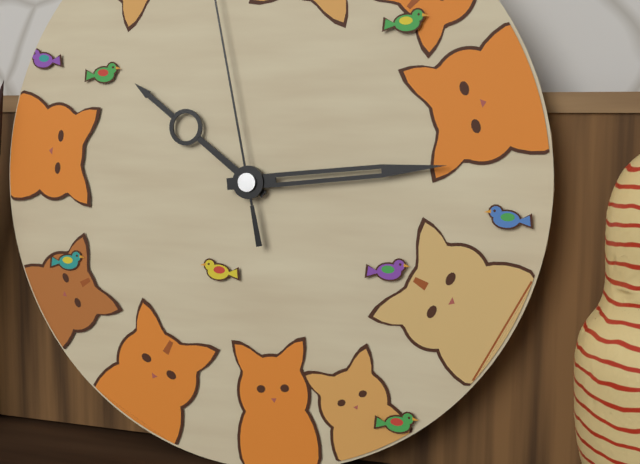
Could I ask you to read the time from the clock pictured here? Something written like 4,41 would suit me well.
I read 10,14
